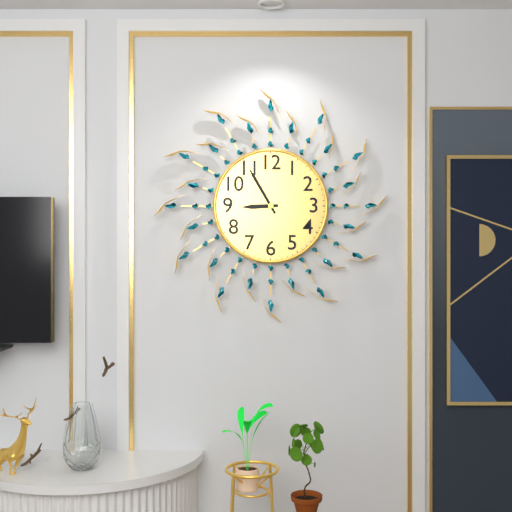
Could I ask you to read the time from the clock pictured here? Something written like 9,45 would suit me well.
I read 8,55
